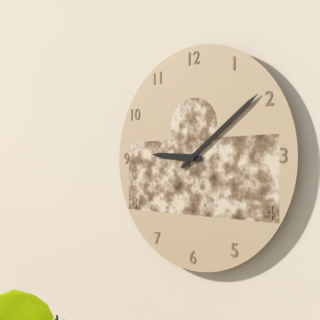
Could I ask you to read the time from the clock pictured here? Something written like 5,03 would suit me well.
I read 9,09
